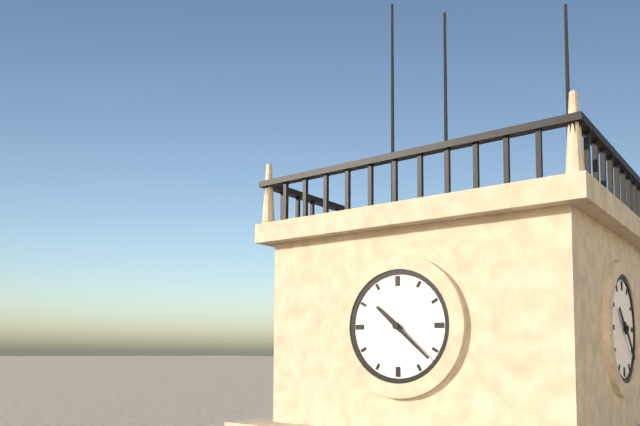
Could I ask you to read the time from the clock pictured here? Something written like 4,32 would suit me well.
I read 10,22
